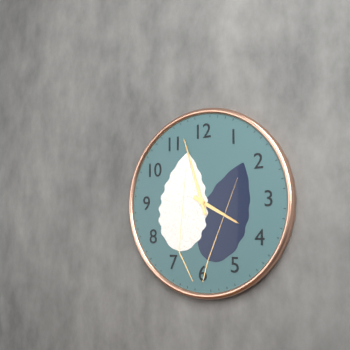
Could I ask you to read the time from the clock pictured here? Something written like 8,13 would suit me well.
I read 3,57
